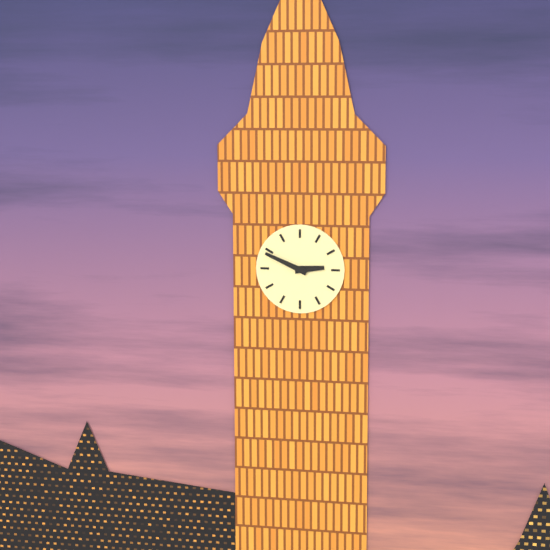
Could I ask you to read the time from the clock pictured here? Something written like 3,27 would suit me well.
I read 2,49
